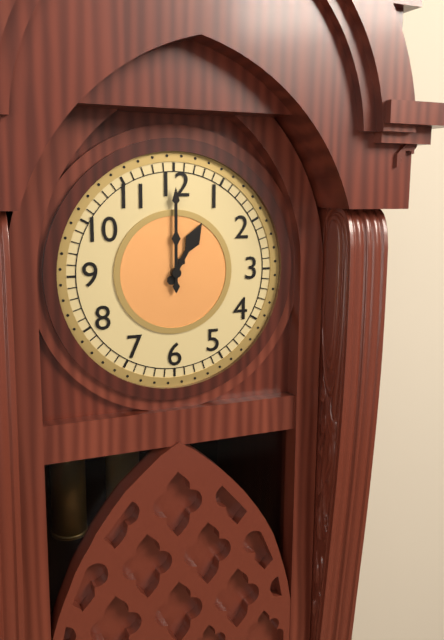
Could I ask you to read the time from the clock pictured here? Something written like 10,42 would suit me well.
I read 1,00
